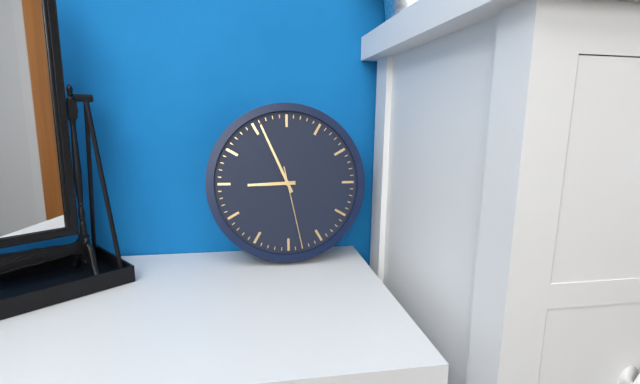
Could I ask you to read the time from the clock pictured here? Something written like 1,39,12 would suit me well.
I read 8,56,28
